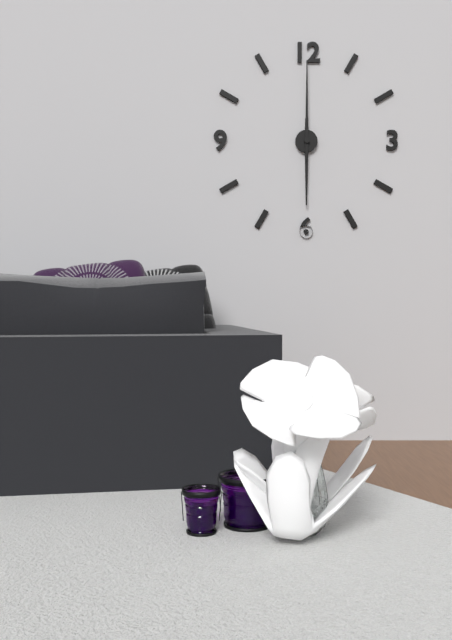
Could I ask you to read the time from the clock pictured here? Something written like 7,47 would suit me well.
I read 6,00
